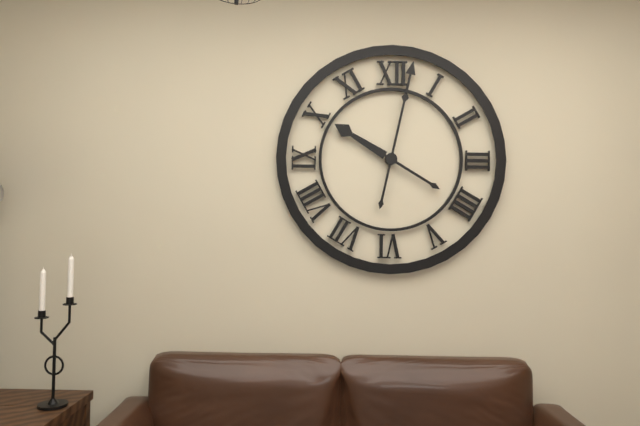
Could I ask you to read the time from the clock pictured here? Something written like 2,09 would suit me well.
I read 10,02
